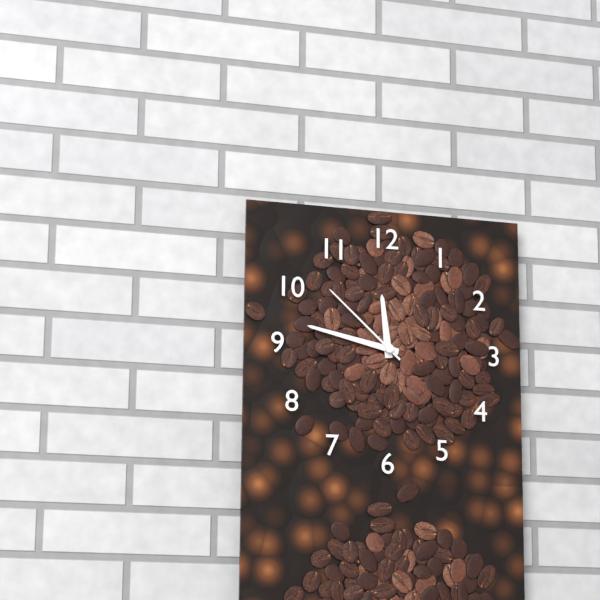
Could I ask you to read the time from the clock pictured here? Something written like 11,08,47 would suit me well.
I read 11,47,52
